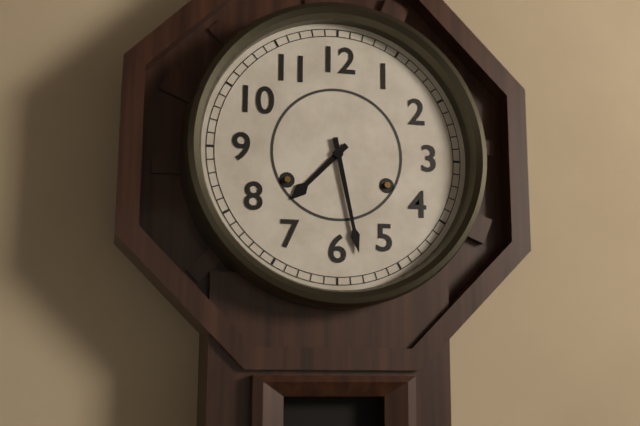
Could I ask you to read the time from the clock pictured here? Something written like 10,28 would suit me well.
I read 7,28
